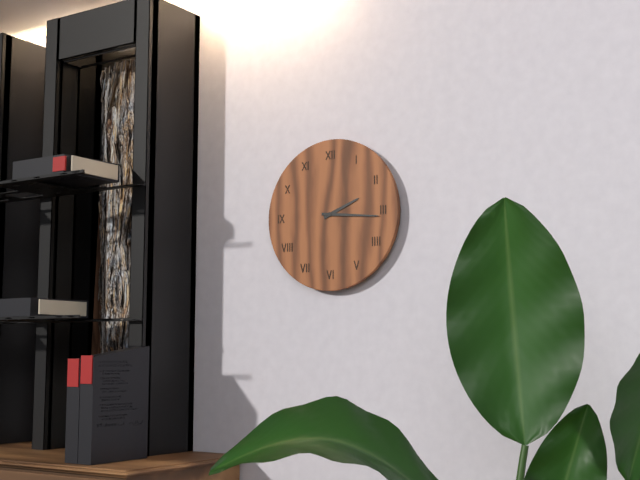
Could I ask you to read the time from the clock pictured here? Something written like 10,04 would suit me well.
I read 2,16
